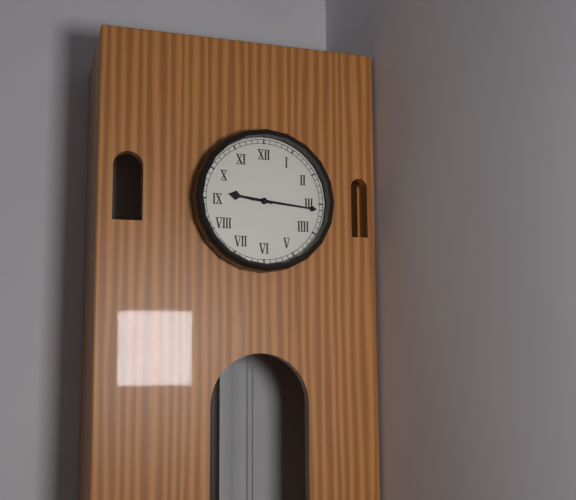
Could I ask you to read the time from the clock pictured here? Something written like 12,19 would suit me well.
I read 9,16
